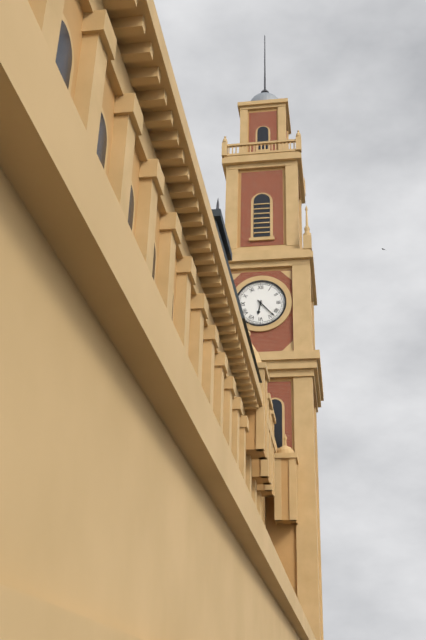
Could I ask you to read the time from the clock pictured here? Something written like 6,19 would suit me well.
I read 6,23
